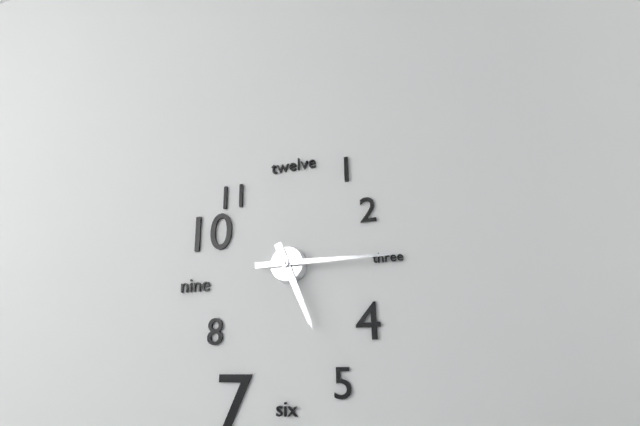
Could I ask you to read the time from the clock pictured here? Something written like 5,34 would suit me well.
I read 5,15
